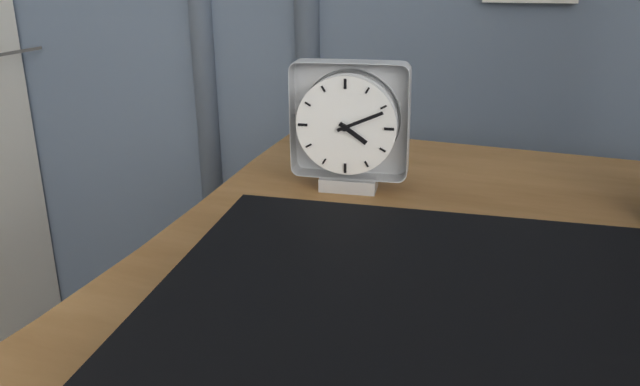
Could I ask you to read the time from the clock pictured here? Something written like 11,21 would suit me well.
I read 4,11
